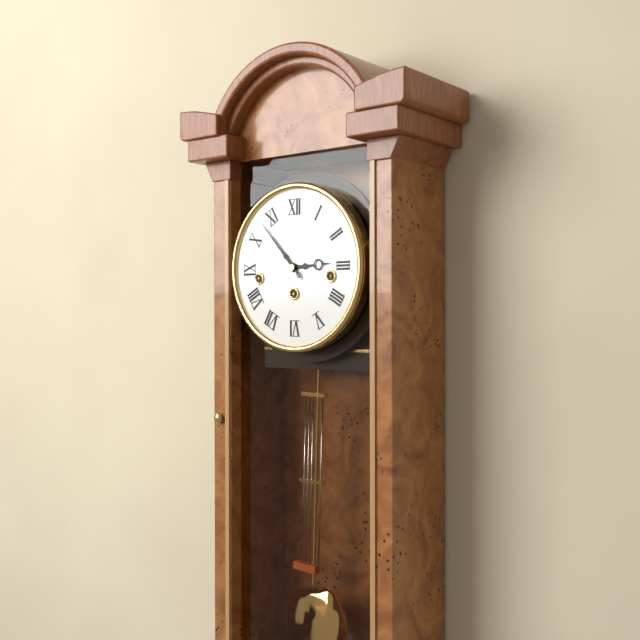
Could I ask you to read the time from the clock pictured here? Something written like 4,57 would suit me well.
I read 2,53
